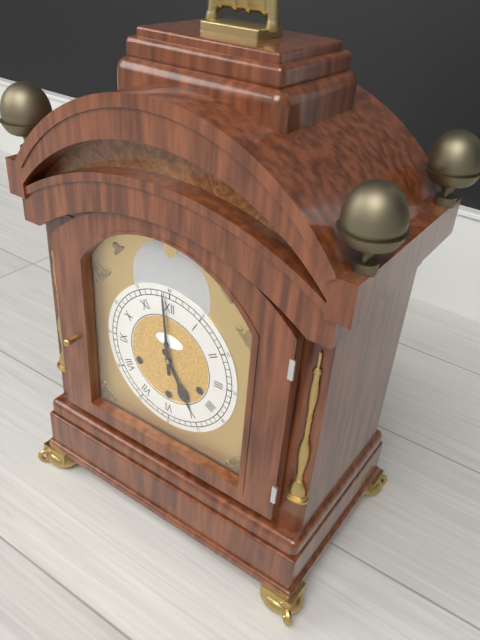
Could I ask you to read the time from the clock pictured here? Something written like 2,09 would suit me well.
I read 4,59
